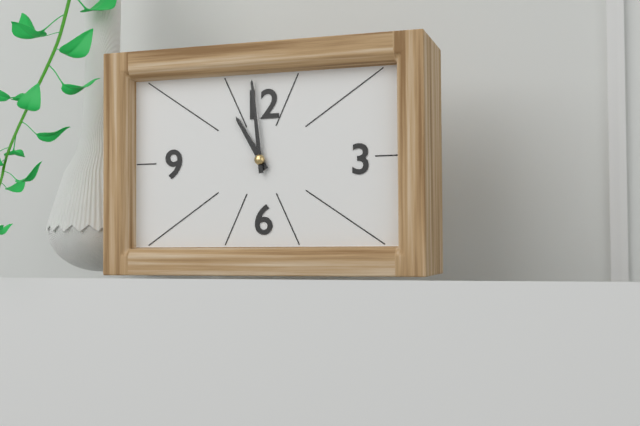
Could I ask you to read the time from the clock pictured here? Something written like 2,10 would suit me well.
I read 10,59
